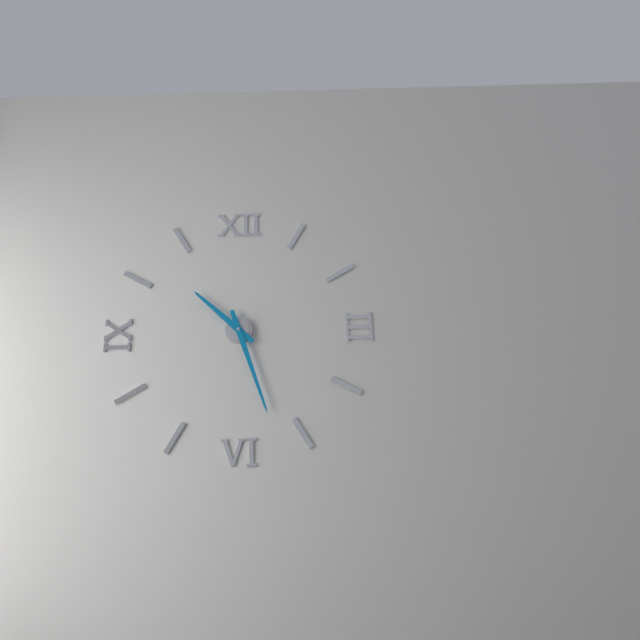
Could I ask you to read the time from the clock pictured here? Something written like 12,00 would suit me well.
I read 10,27
